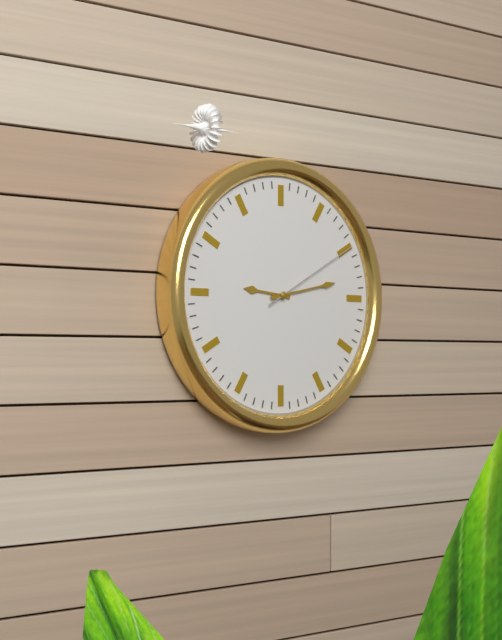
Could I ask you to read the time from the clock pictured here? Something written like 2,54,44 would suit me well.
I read 9,13,10
